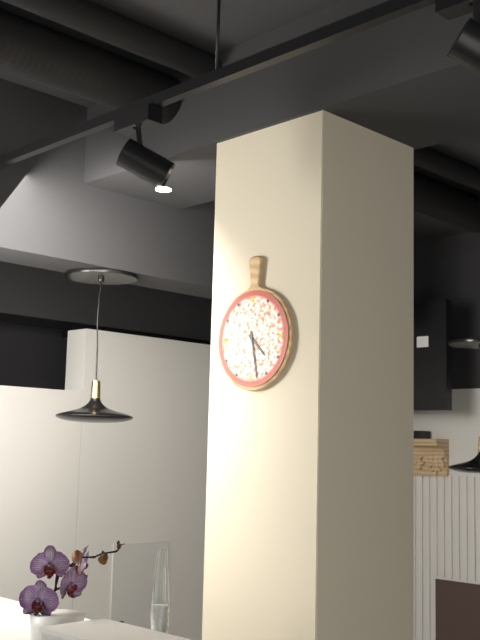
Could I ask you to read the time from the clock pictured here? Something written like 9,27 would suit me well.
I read 4,28
